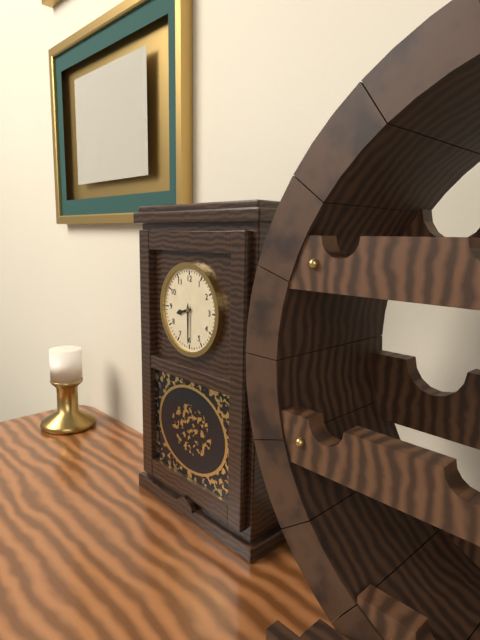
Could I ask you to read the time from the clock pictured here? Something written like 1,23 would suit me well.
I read 8,30
